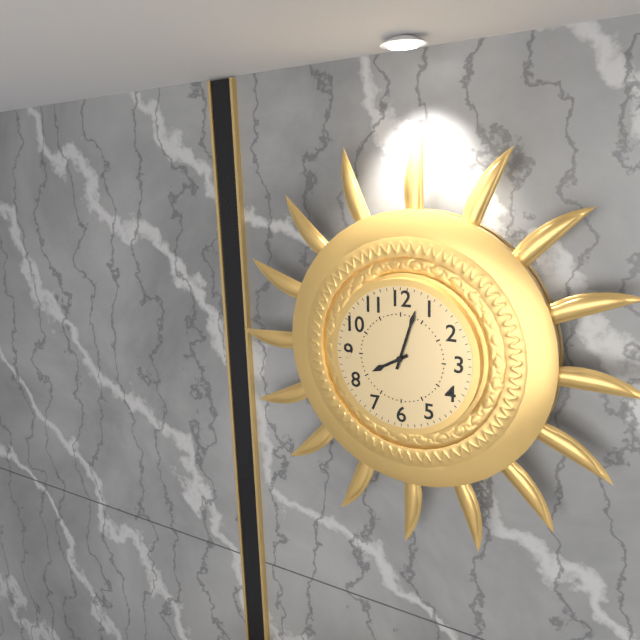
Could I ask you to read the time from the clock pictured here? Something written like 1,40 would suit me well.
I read 8,03
